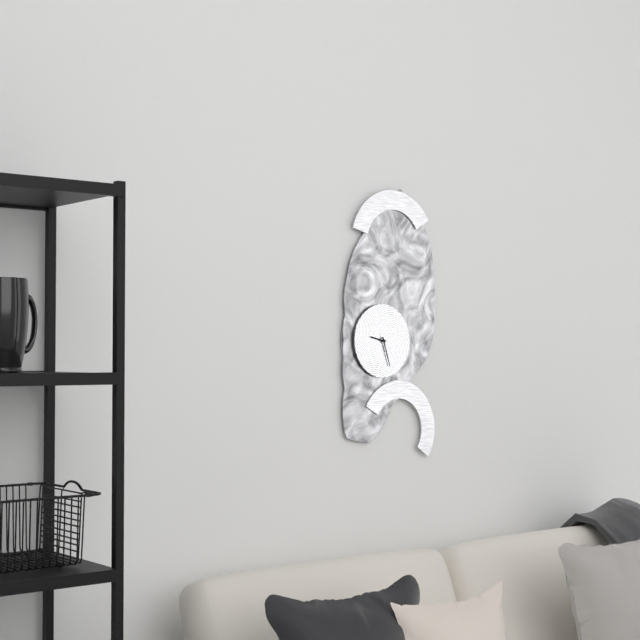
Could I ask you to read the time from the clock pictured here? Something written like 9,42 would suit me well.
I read 9,27
